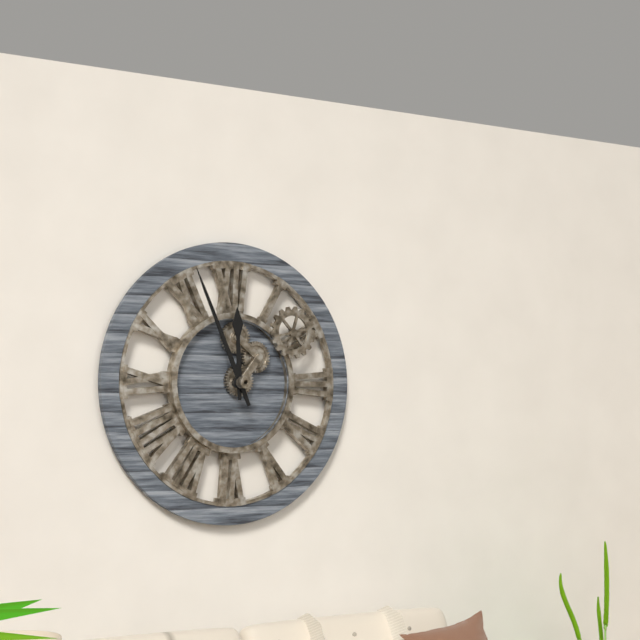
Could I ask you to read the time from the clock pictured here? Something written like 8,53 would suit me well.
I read 11,56
